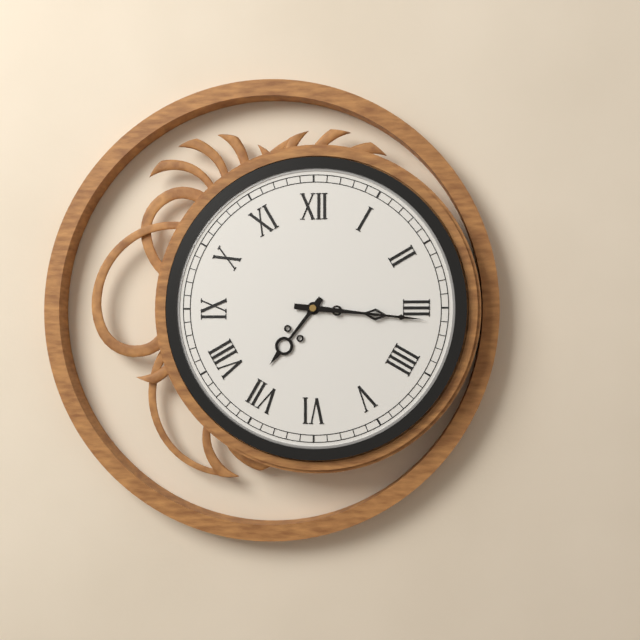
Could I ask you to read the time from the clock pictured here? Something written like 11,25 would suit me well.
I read 7,16
